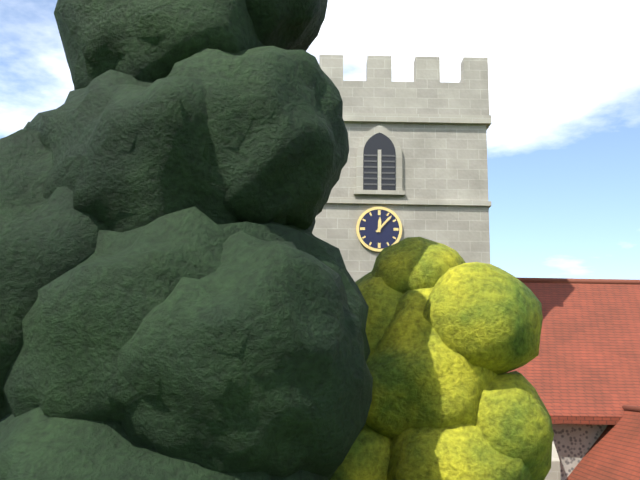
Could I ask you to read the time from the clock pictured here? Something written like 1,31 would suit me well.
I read 12,07
